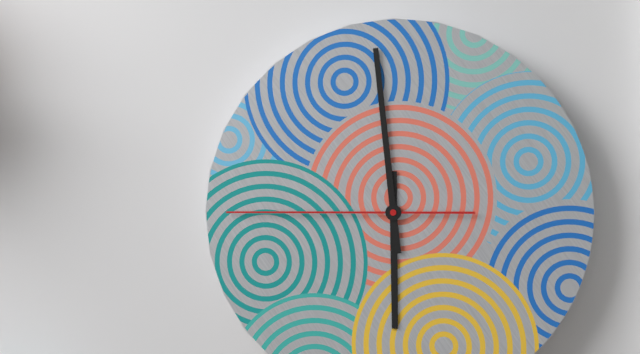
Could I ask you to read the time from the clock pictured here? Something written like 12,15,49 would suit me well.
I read 5,59,45
